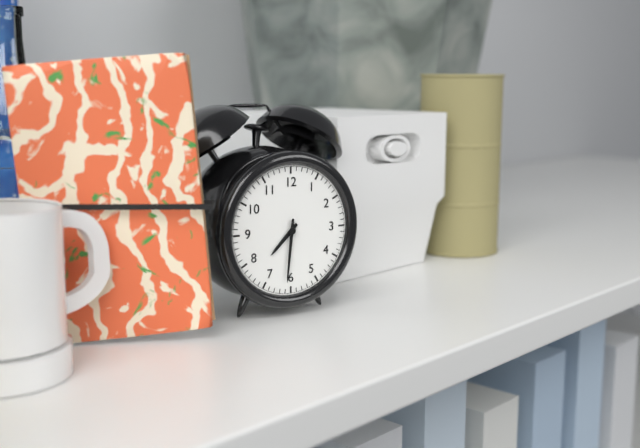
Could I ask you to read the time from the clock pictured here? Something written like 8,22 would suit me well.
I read 7,31
